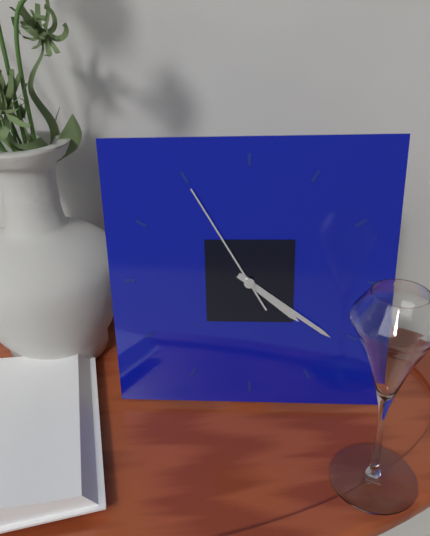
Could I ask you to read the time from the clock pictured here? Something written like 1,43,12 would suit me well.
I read 4,21,55
